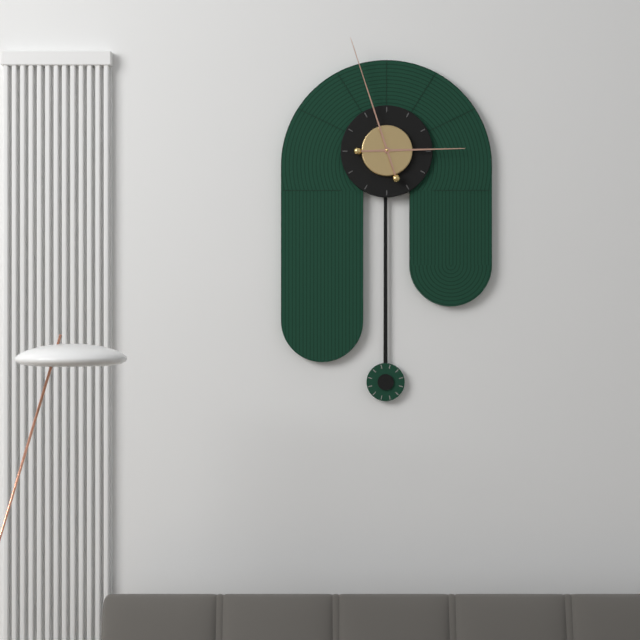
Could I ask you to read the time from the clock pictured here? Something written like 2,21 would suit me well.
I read 2,57
